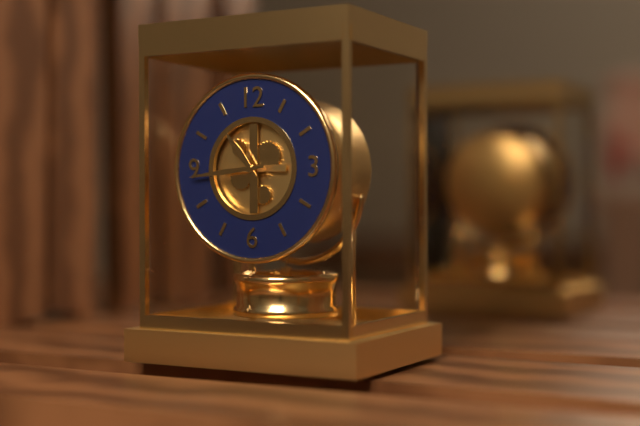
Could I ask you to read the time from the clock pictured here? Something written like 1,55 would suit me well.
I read 10,44
